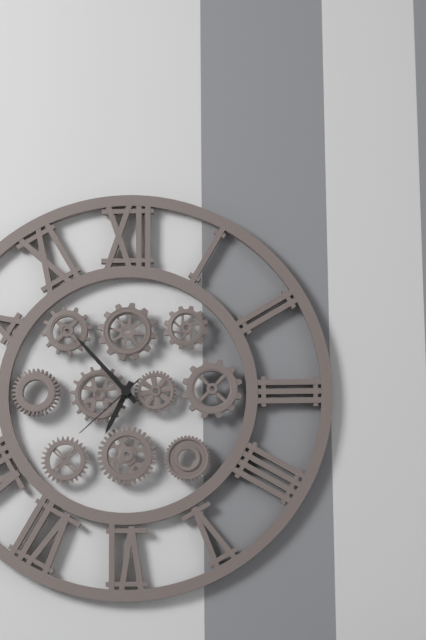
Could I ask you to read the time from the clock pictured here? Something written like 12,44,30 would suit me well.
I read 6,53,38
